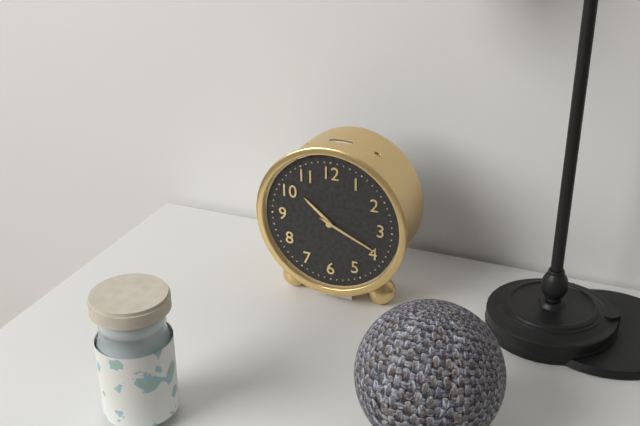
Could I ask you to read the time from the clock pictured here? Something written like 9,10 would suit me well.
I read 10,19
